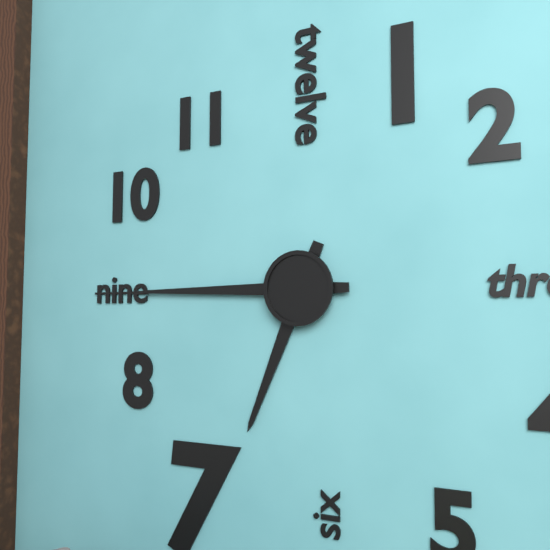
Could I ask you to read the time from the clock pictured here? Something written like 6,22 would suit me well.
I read 6,45
